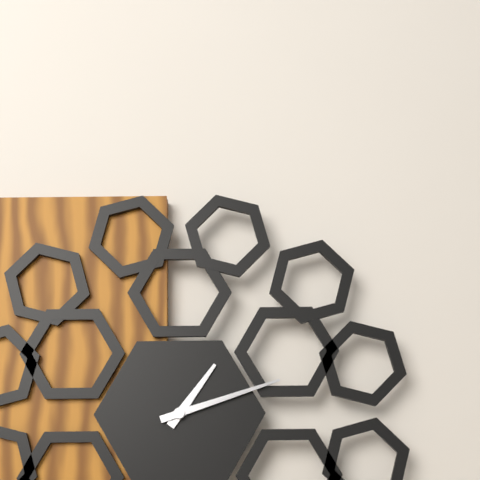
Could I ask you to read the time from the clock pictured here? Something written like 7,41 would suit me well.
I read 1,12
